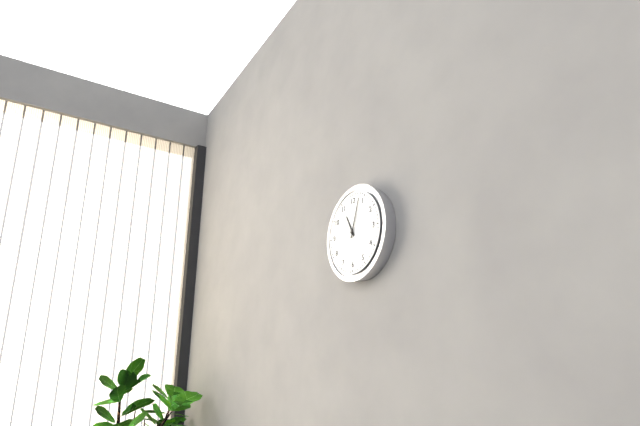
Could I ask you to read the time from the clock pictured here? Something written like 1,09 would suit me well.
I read 11,03
